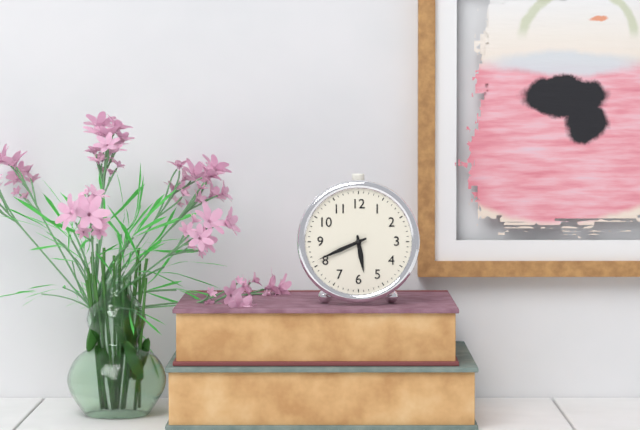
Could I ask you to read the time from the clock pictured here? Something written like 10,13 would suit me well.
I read 5,41
